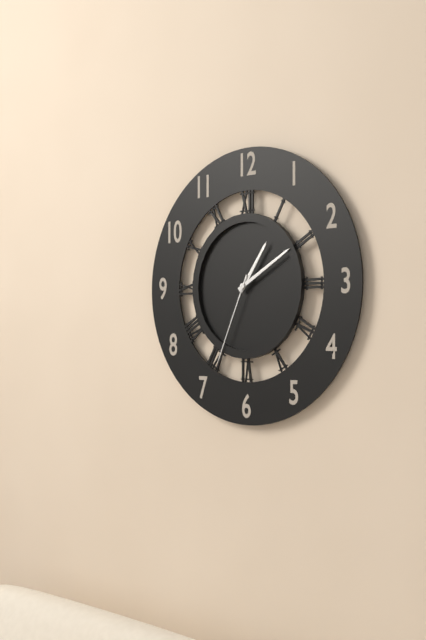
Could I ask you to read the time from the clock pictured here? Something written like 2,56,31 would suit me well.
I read 1,10,34
